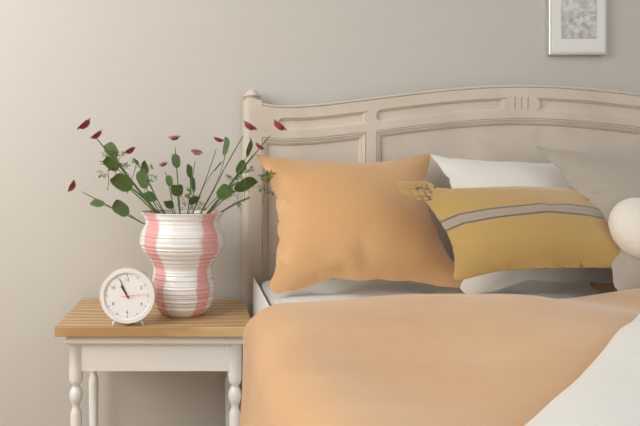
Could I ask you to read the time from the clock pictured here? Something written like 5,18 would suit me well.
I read 10,56
